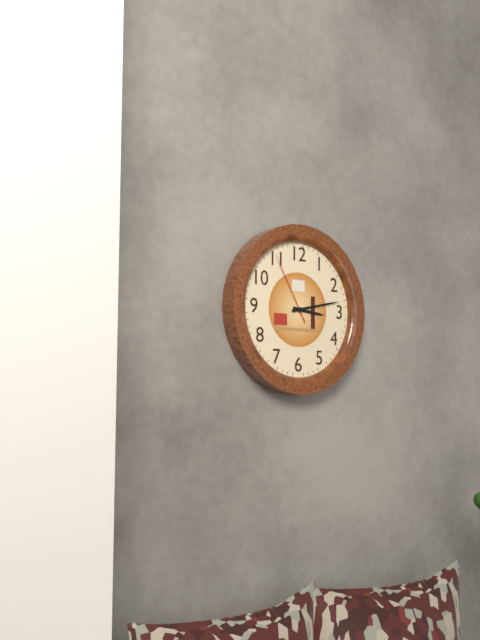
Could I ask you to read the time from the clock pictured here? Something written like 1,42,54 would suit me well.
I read 3,13,55
